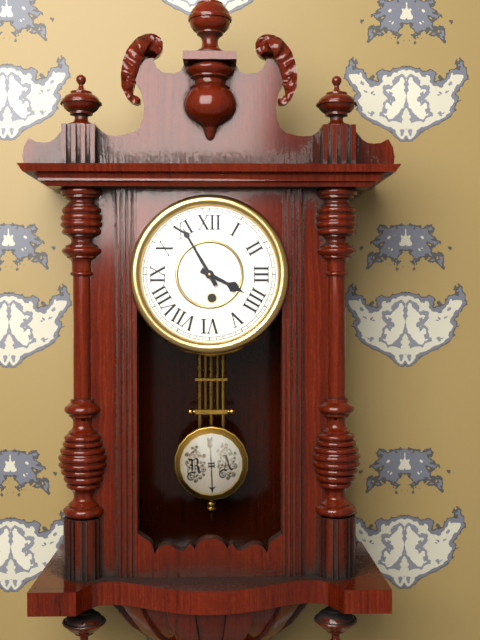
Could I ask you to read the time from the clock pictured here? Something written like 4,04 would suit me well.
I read 3,55
